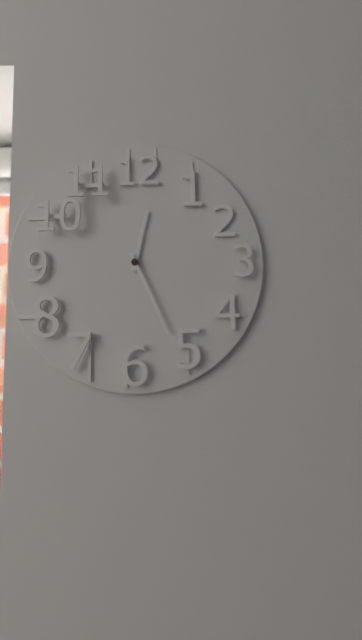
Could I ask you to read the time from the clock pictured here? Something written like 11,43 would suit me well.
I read 12,26
